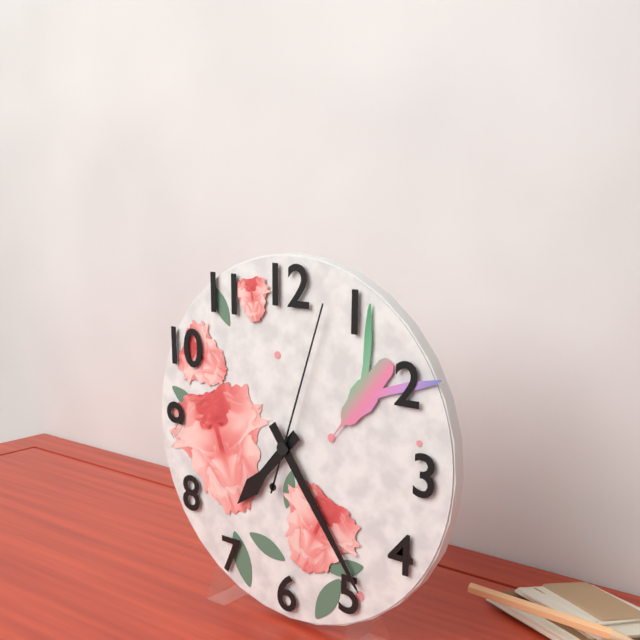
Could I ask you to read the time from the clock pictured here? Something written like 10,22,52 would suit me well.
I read 7,24,03
